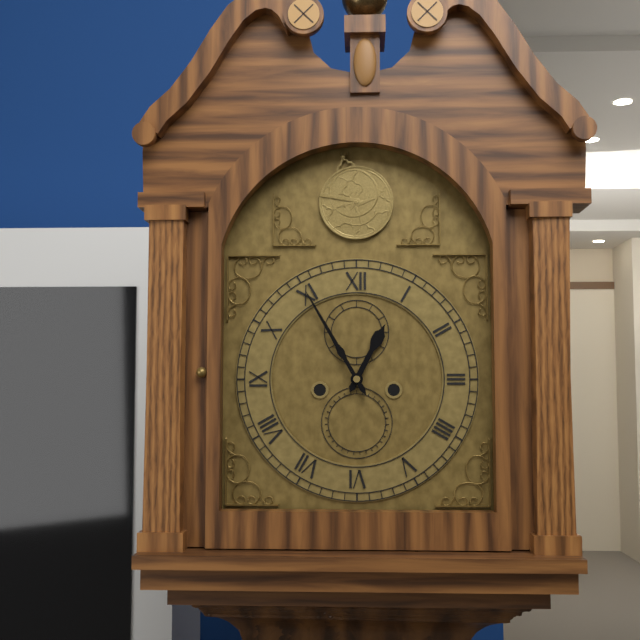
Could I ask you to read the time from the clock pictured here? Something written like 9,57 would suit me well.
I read 12,55
